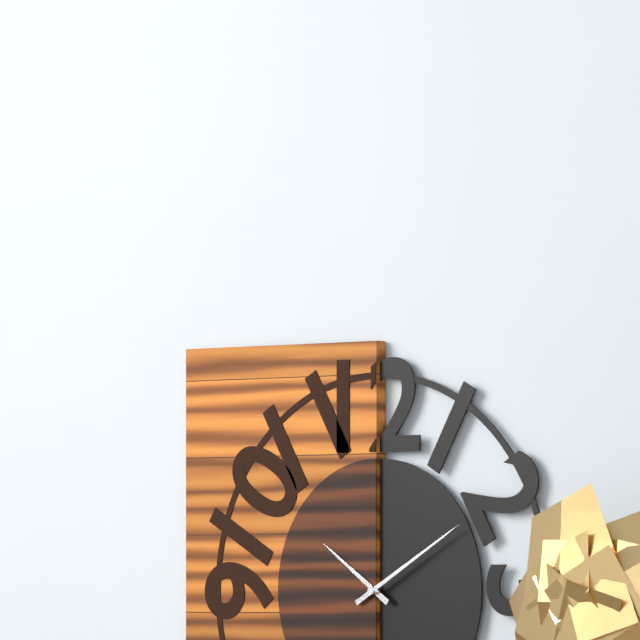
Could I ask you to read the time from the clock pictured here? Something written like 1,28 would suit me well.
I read 10,10
